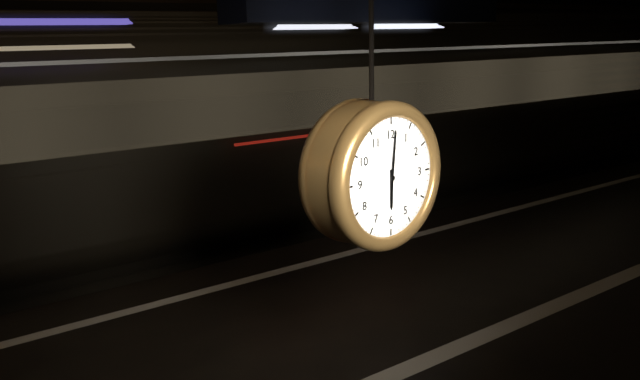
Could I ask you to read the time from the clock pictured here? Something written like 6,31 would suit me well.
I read 6,01
